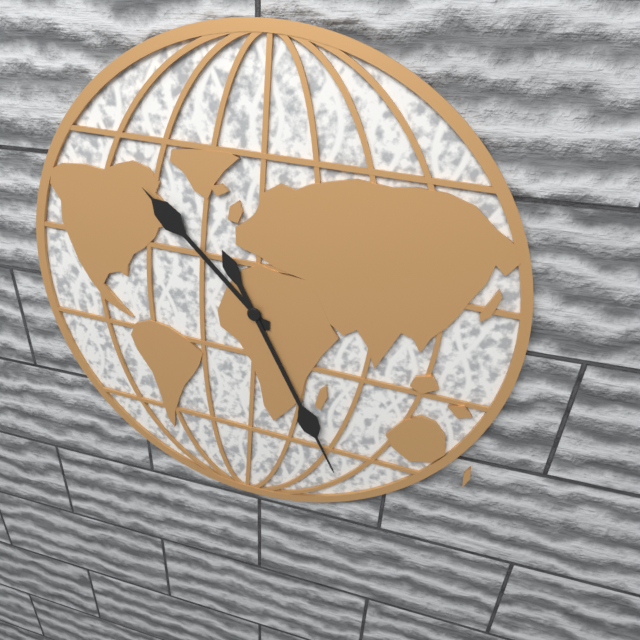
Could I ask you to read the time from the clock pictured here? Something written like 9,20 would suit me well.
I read 10,25
